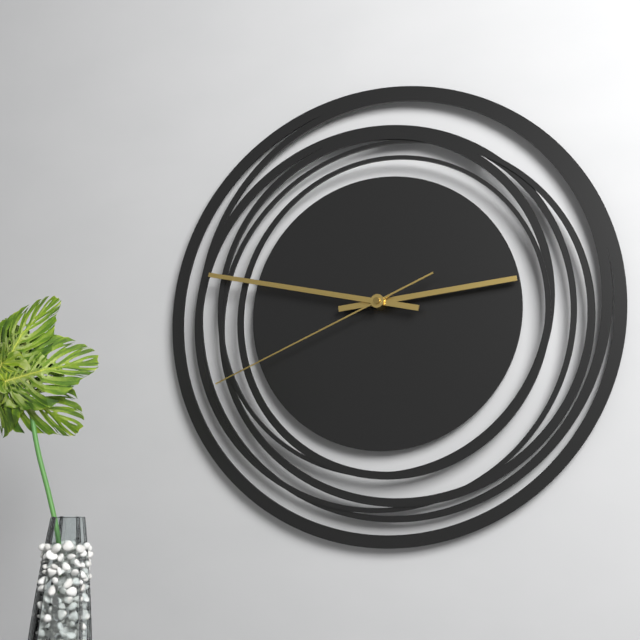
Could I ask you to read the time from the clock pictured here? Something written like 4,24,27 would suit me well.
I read 2,47,41
